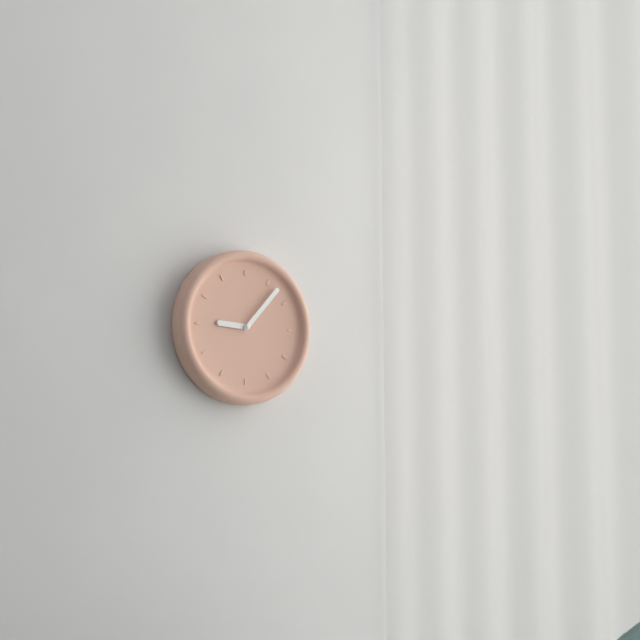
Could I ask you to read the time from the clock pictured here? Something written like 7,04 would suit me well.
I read 9,07
